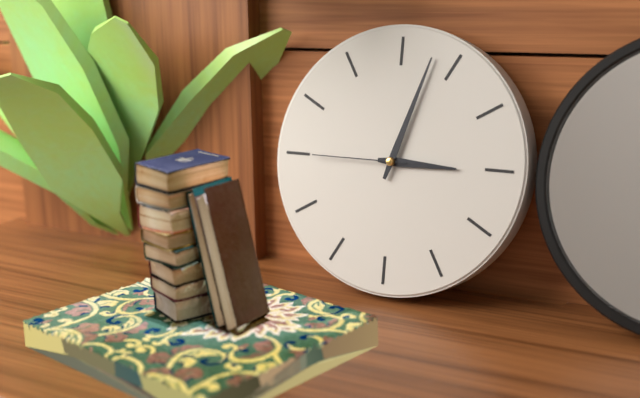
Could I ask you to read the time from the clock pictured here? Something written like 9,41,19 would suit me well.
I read 3,03,45
